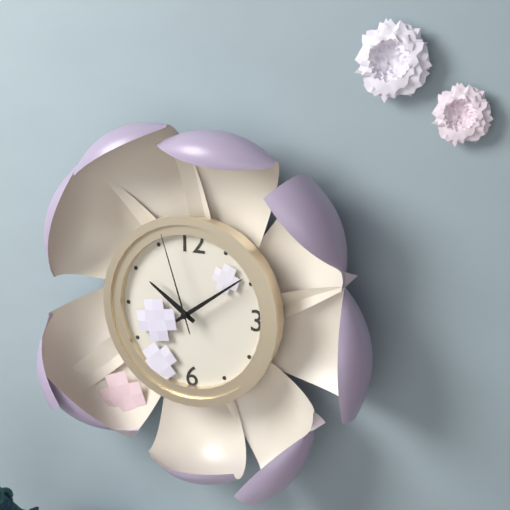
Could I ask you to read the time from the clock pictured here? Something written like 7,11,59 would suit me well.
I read 10,09,57
